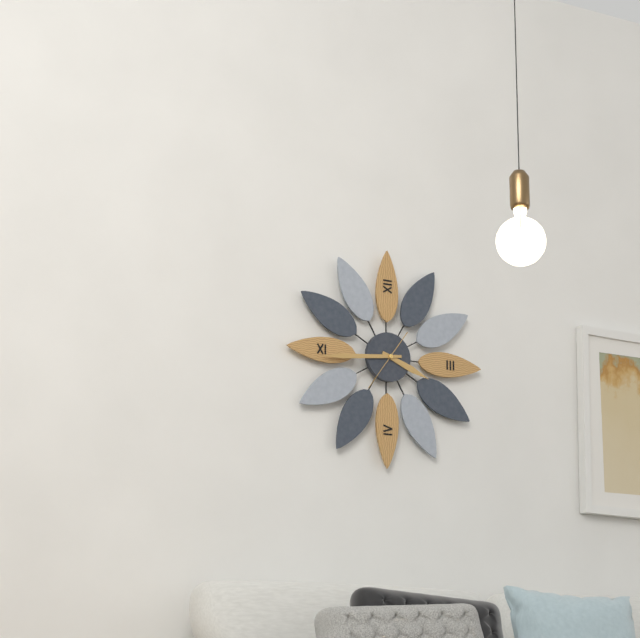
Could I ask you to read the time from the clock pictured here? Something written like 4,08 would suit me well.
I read 3,44
